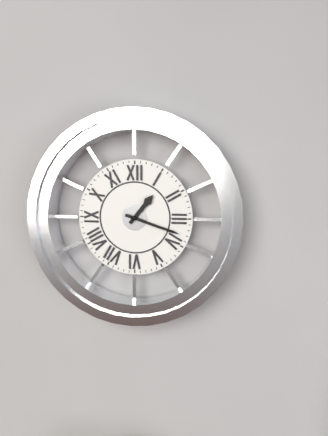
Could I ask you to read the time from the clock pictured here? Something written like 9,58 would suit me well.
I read 1,18
